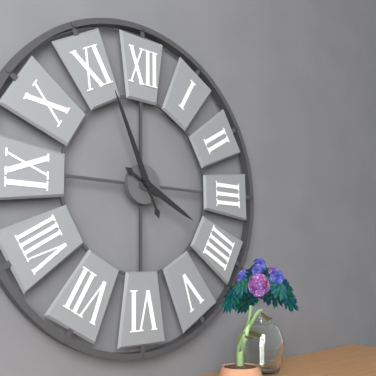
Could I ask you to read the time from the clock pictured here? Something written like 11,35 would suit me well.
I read 3,56
